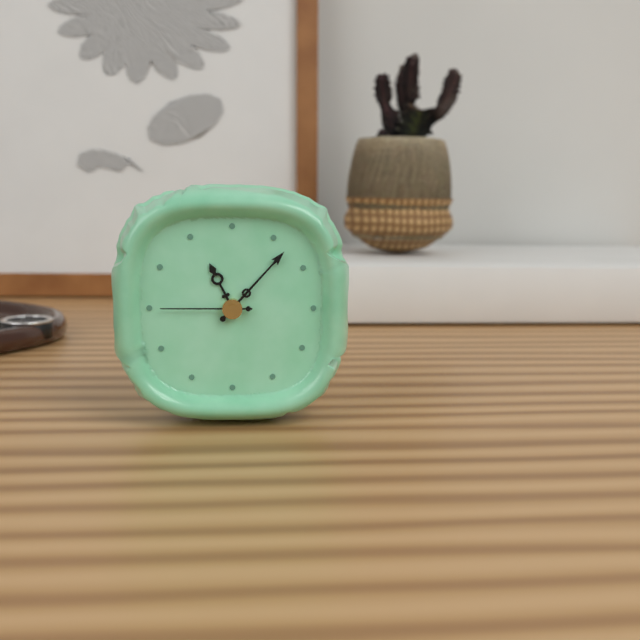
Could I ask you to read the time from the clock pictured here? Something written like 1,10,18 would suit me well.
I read 11,07,45
